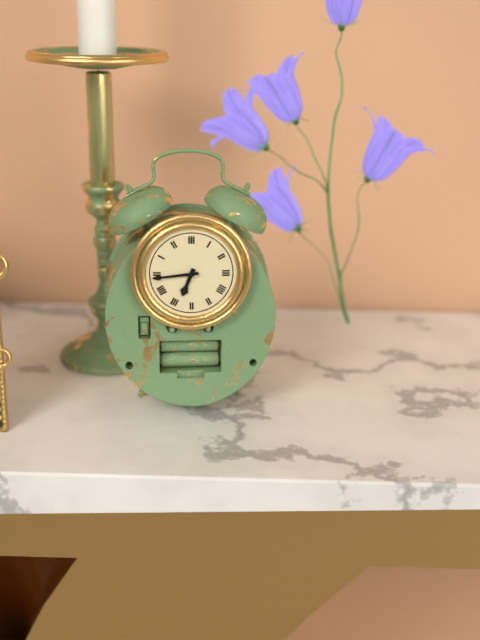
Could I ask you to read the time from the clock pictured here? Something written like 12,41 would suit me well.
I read 6,44
